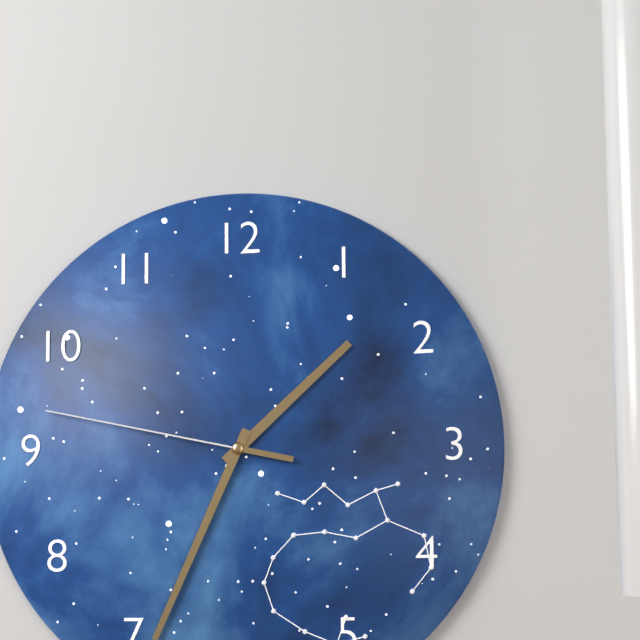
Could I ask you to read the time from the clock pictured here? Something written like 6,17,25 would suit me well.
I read 1,34,47
